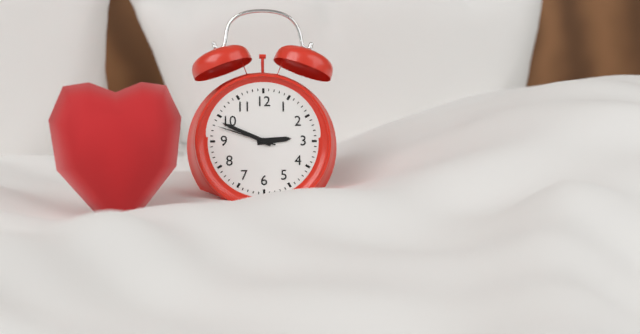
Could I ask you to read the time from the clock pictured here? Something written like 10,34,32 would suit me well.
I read 2,49,48
